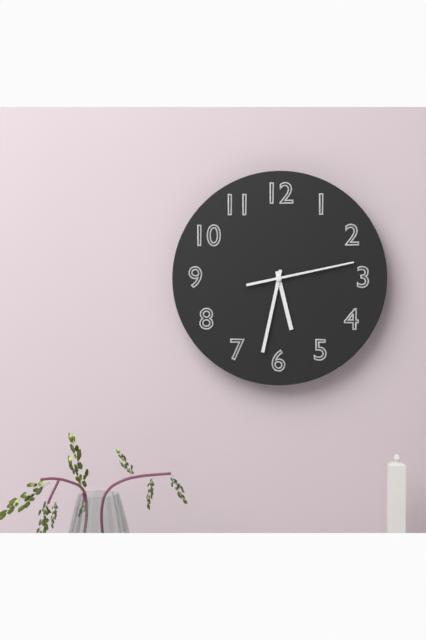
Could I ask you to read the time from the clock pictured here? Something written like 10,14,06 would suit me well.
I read 5,32,13
